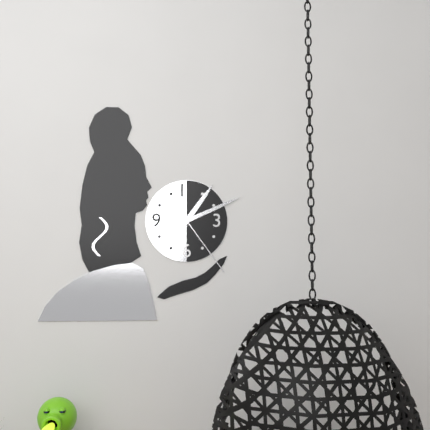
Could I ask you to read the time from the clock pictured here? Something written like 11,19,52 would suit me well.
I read 1,11,24
